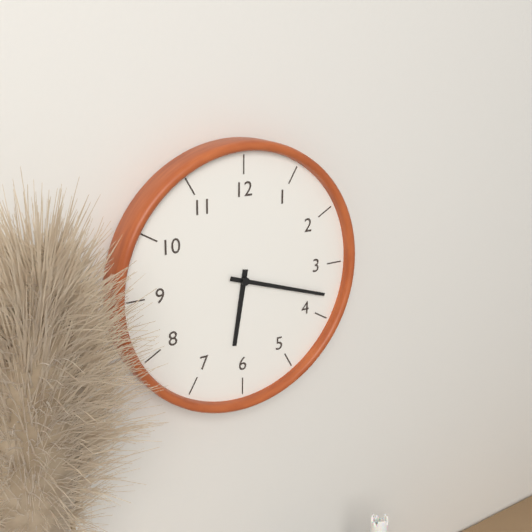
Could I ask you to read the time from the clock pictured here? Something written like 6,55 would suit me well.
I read 6,18
